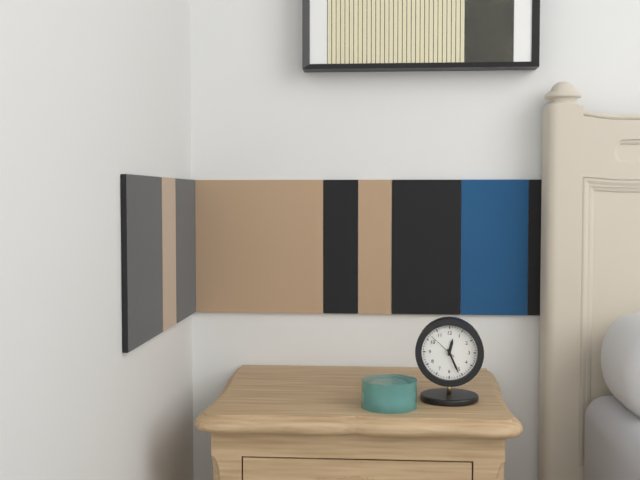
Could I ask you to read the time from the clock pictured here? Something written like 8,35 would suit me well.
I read 12,26
